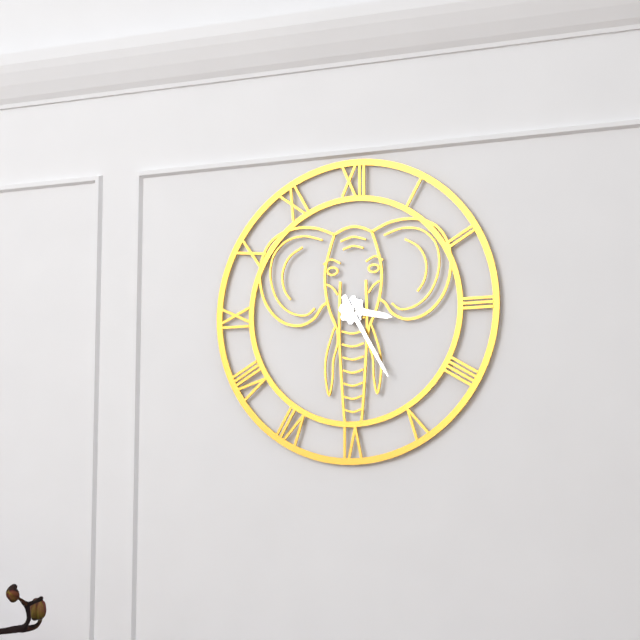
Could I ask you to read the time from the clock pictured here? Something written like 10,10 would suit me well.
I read 3,25
